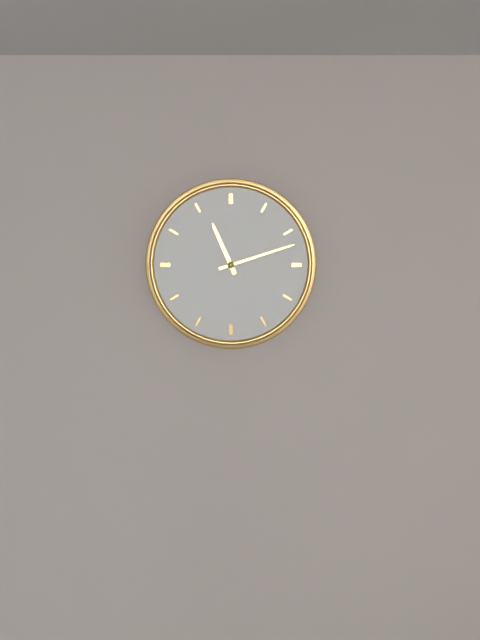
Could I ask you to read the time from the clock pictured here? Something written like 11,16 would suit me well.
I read 11,12
